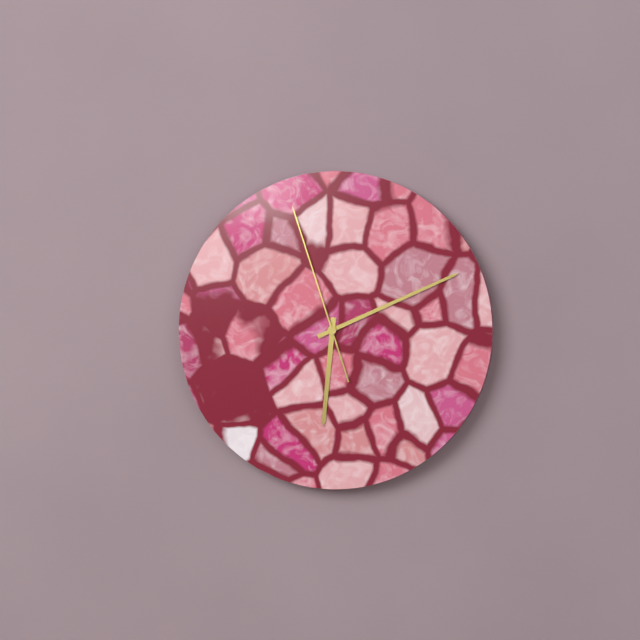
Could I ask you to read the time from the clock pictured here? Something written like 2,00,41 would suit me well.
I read 6,11,57
